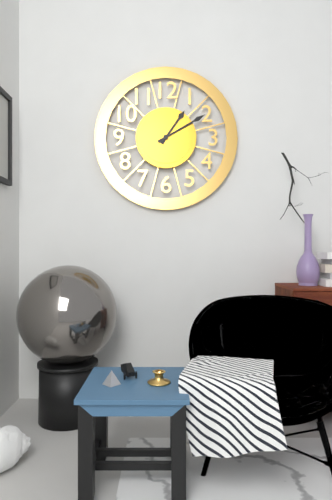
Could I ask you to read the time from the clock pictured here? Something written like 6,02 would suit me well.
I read 1,10
